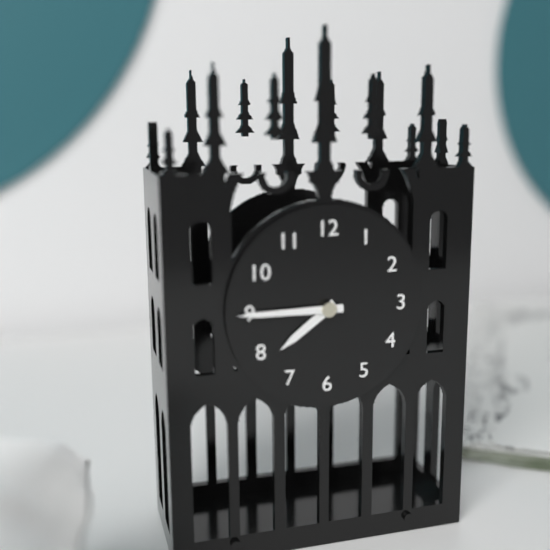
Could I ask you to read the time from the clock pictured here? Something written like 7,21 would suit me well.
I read 7,45
